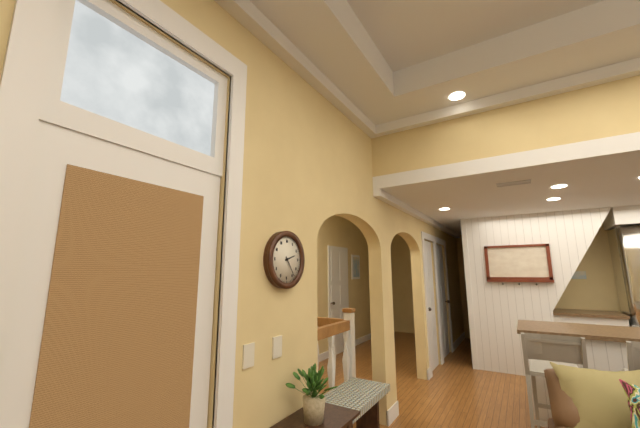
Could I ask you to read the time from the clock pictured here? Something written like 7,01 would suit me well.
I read 2,24
